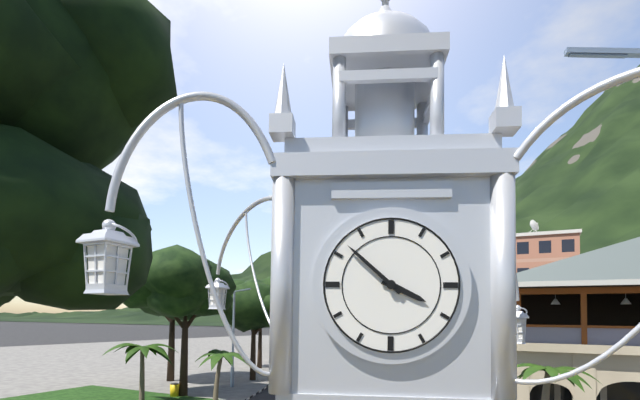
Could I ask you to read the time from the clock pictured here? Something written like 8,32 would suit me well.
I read 3,52
